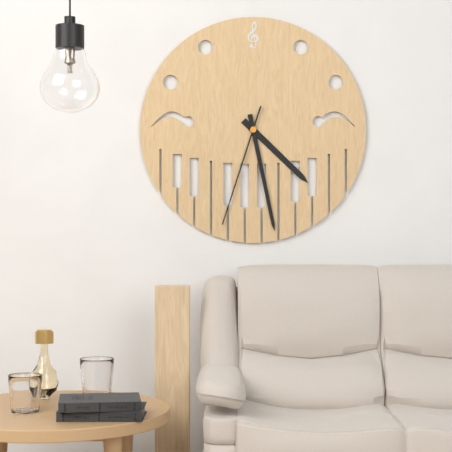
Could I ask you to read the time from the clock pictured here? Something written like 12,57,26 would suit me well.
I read 4,28,33
